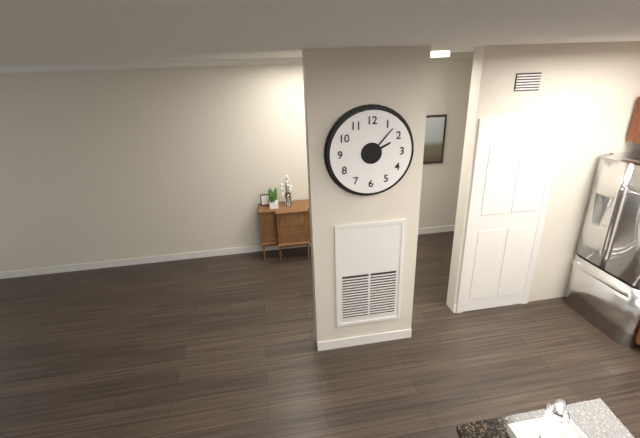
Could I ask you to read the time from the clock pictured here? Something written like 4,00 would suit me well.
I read 2,07
